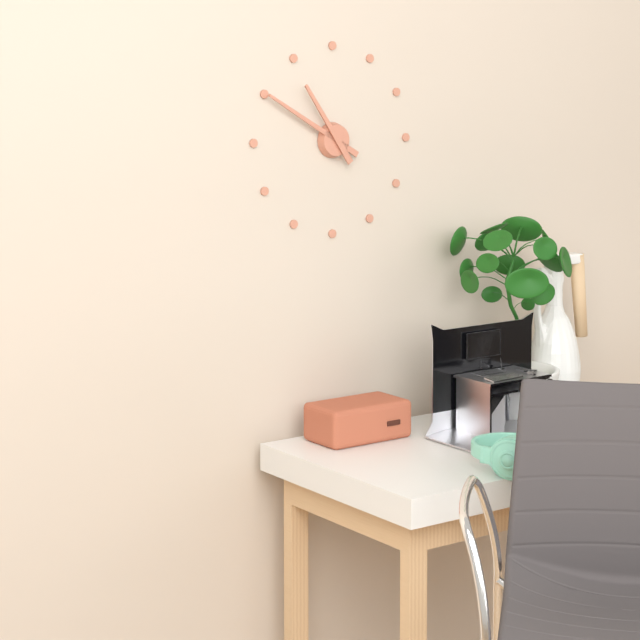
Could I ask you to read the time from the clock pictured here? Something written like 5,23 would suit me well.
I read 10,50
